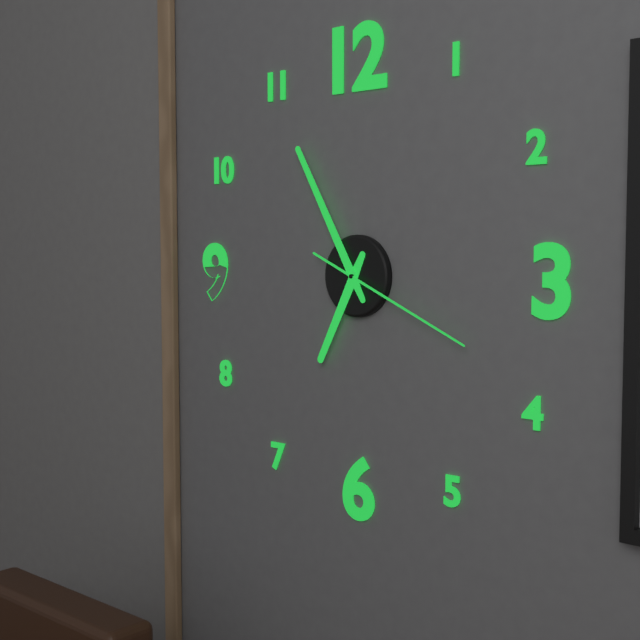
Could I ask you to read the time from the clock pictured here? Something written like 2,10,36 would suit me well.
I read 6,55,19
